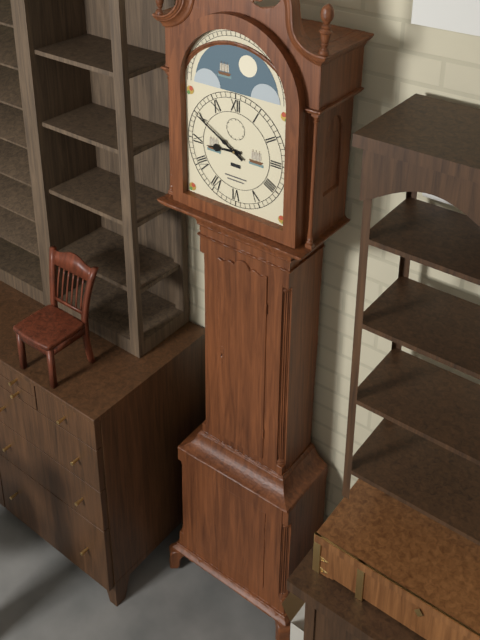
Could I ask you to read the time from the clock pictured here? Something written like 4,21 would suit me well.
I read 8,50
